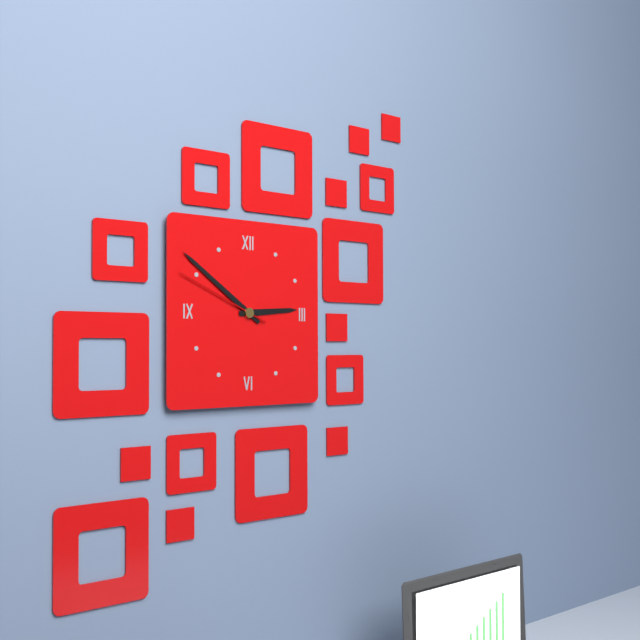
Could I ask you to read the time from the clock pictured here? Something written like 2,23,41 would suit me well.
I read 2,51,49
